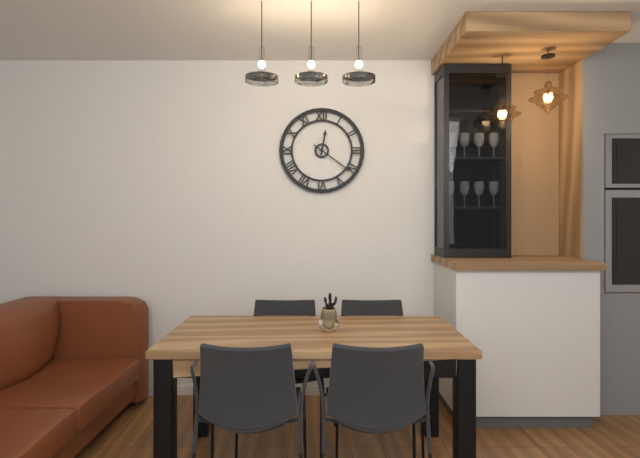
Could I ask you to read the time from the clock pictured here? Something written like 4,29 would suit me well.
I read 12,21
